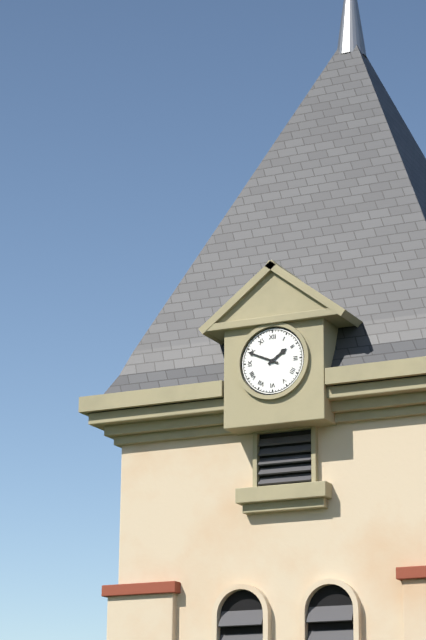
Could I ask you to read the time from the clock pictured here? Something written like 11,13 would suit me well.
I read 1,49
